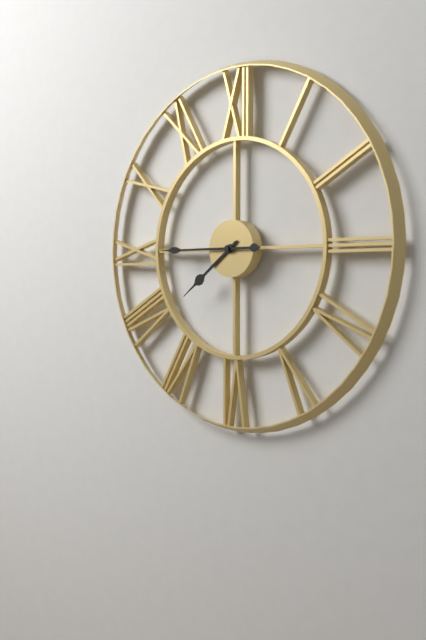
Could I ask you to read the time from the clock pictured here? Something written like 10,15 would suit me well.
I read 7,45
